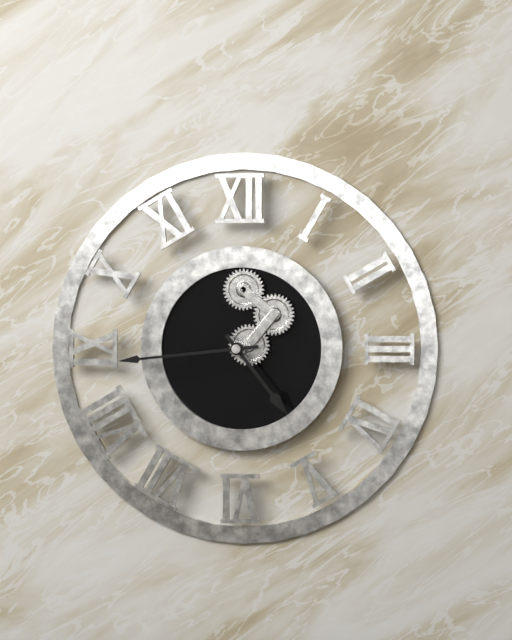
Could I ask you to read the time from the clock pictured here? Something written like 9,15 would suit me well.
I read 4,44
